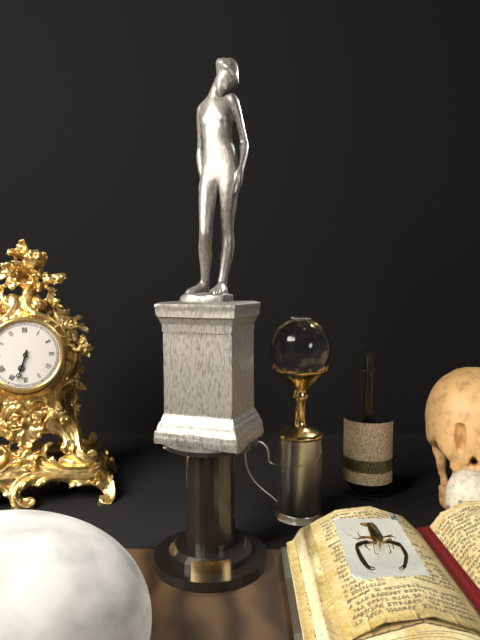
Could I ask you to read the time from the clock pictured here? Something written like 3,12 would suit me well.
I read 6,33
